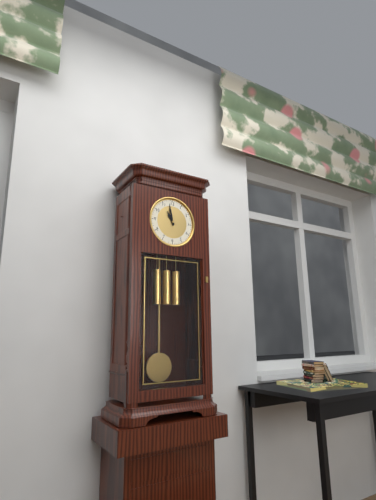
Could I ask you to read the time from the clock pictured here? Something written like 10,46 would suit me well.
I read 10,58
